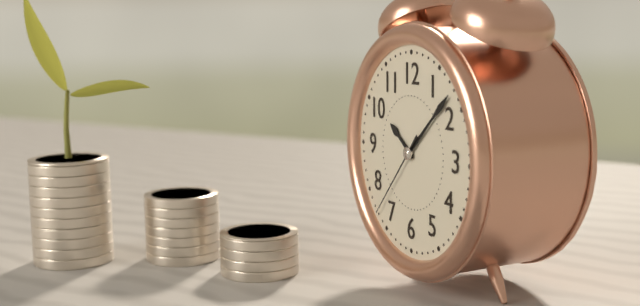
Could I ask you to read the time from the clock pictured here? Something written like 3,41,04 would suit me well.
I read 10,08,37
